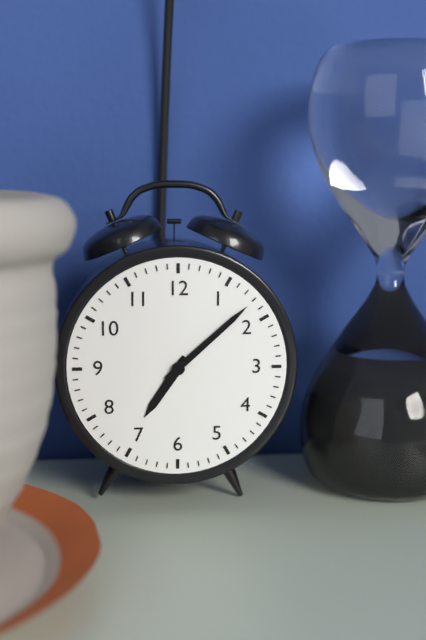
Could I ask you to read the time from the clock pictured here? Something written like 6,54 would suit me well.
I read 7,08
